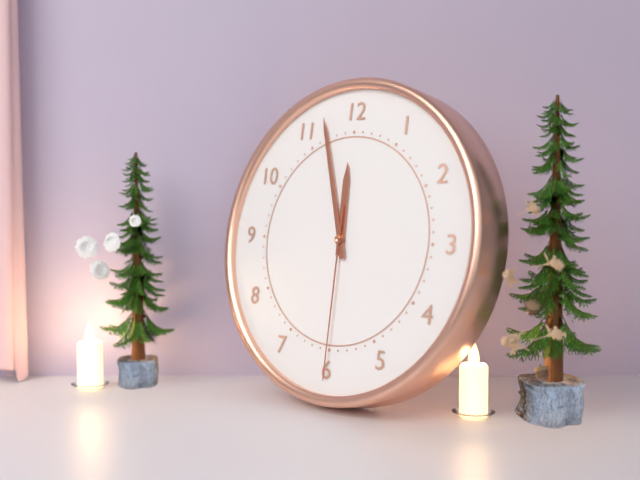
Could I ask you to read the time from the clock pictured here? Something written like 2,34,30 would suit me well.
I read 11,57,30
